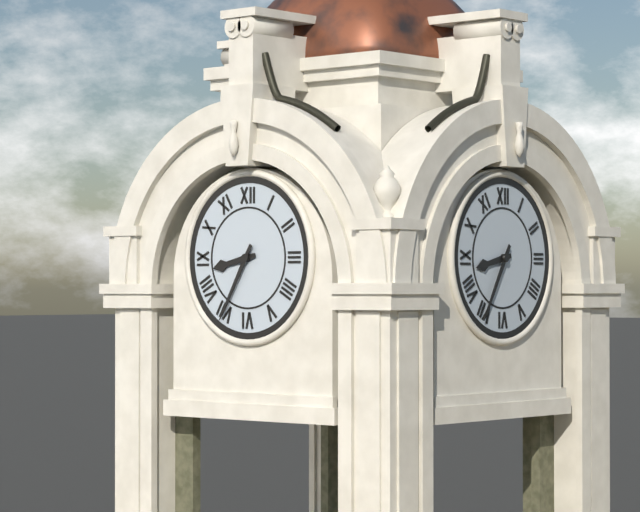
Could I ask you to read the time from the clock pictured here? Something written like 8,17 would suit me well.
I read 8,35
